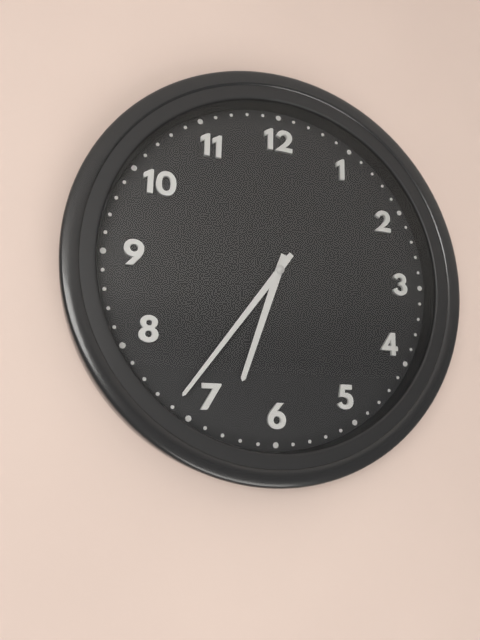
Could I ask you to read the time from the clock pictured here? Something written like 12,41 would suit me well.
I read 6,36
